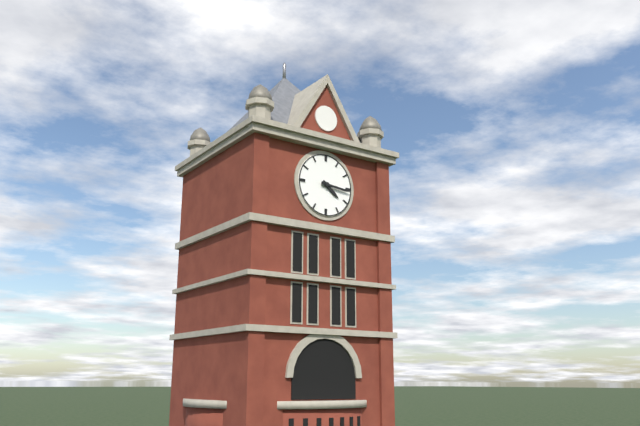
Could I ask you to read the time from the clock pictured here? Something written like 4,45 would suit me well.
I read 4,16
